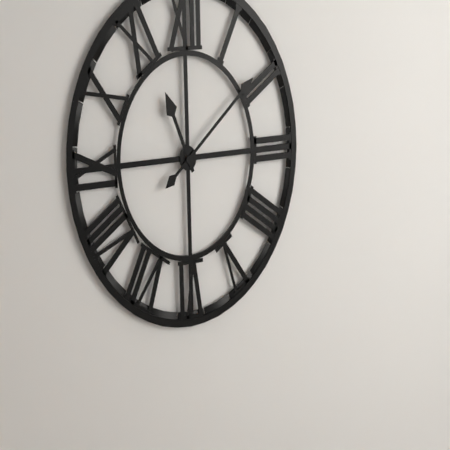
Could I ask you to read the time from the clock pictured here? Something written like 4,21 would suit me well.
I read 11,09
